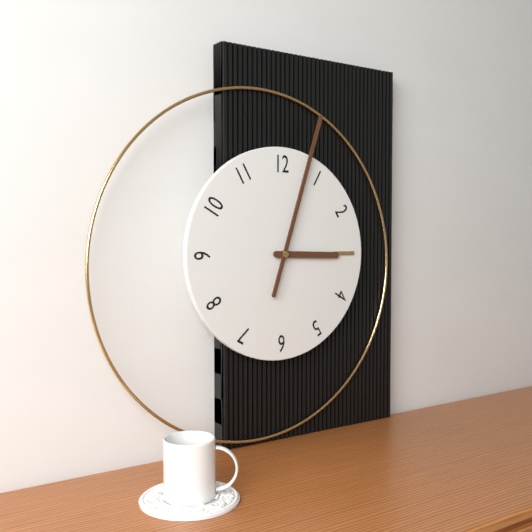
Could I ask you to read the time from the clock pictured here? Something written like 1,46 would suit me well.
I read 3,03
